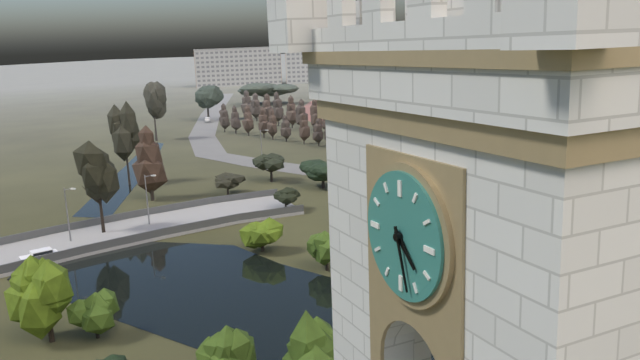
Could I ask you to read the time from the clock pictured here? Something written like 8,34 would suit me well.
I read 4,27
